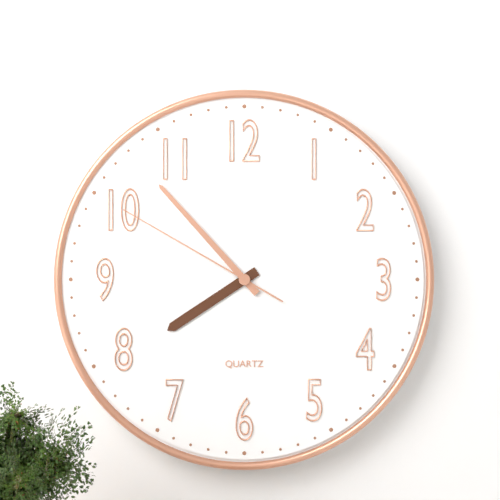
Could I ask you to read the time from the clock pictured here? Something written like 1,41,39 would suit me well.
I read 7,53,50
